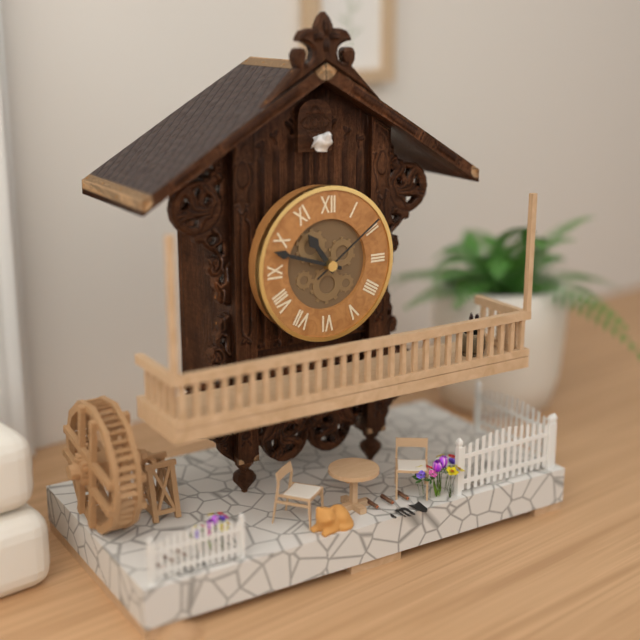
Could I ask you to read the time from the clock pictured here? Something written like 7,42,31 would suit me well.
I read 10,48,09
